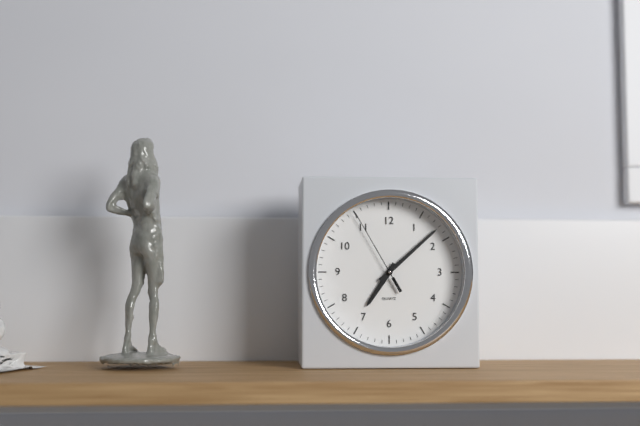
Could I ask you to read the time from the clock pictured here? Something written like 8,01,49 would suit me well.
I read 7,08,55
